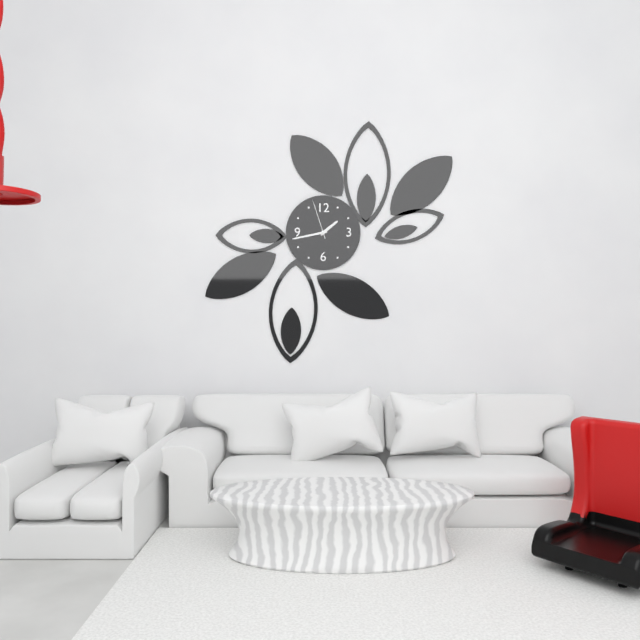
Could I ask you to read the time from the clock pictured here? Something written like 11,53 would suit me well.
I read 1,43
